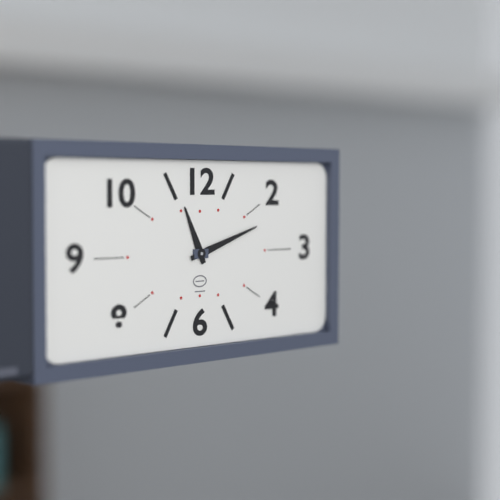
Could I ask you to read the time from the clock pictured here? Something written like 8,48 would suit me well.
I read 11,12
